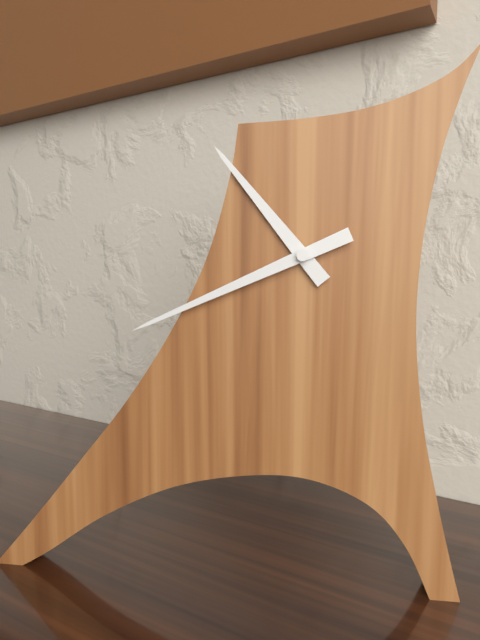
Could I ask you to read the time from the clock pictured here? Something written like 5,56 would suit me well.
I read 10,41
